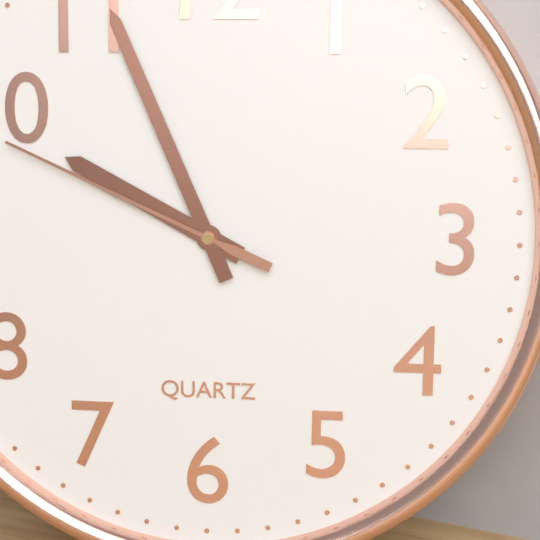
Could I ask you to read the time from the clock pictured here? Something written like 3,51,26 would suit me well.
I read 9,56,49
